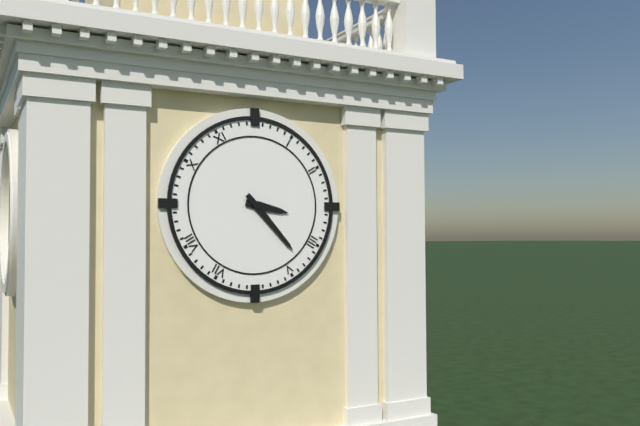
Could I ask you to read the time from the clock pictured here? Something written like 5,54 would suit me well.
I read 3,23
